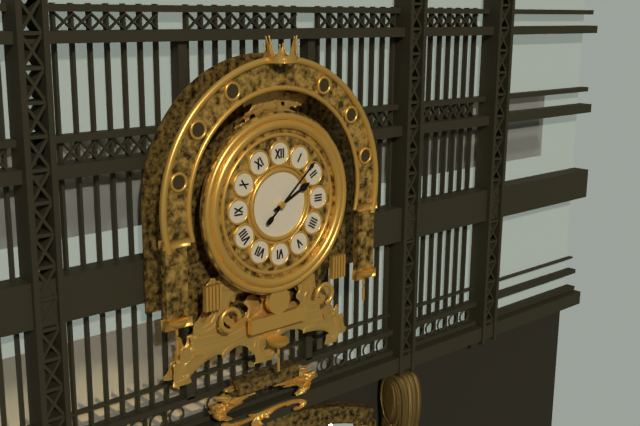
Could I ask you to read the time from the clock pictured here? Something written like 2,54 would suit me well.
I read 2,08
